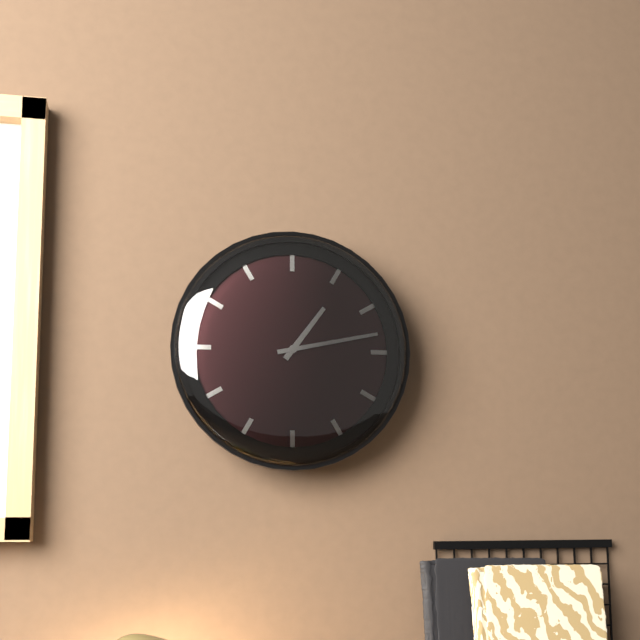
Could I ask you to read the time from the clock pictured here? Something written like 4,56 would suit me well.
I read 1,13
